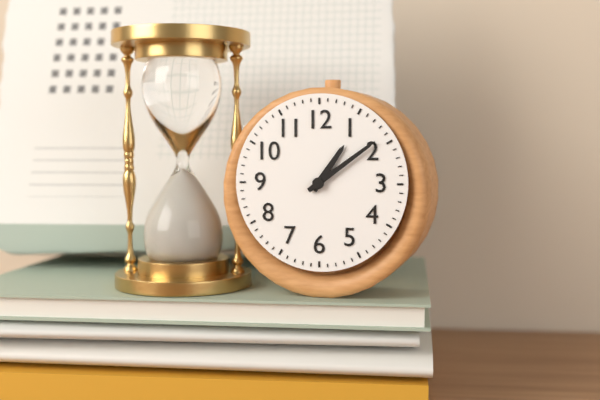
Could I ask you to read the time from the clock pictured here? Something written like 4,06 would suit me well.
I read 1,09
